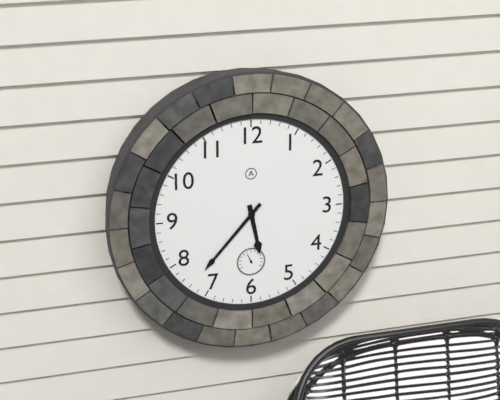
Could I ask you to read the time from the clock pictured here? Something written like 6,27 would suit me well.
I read 5,37
